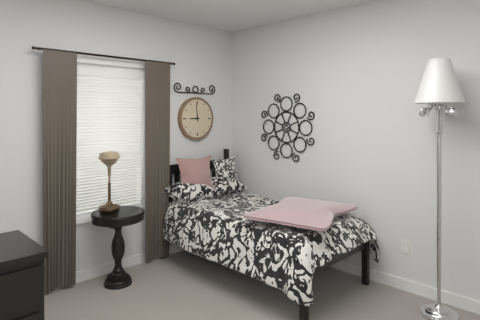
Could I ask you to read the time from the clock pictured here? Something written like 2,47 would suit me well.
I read 8,59
